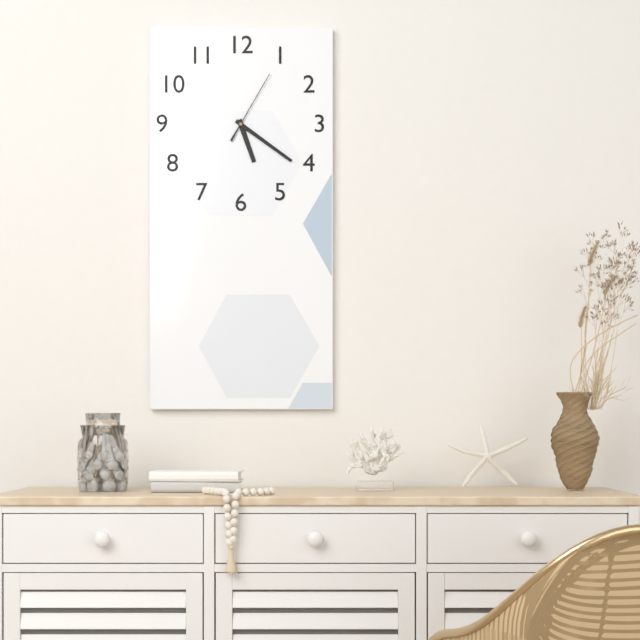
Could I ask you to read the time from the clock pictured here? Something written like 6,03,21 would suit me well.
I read 5,21,05
